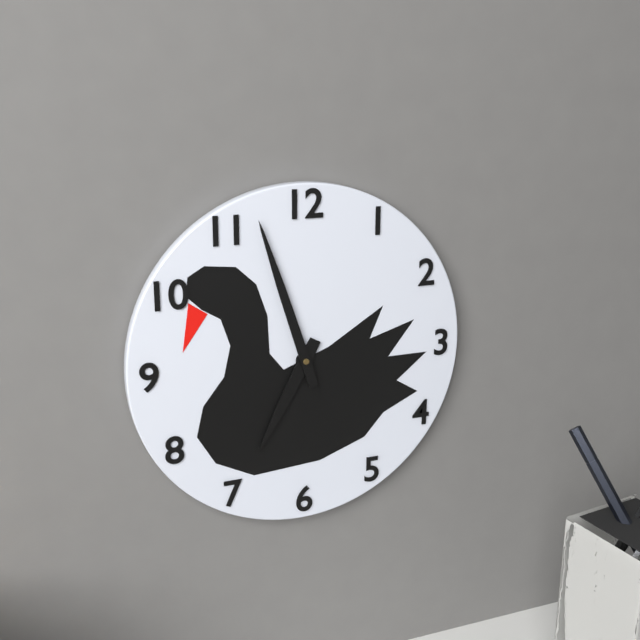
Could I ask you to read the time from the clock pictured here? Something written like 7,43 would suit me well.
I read 6,57
